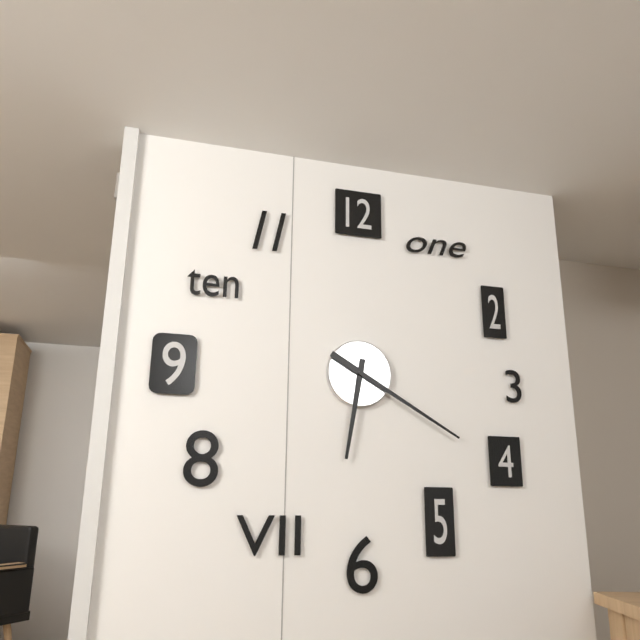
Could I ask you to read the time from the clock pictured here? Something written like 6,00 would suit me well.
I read 6,20
